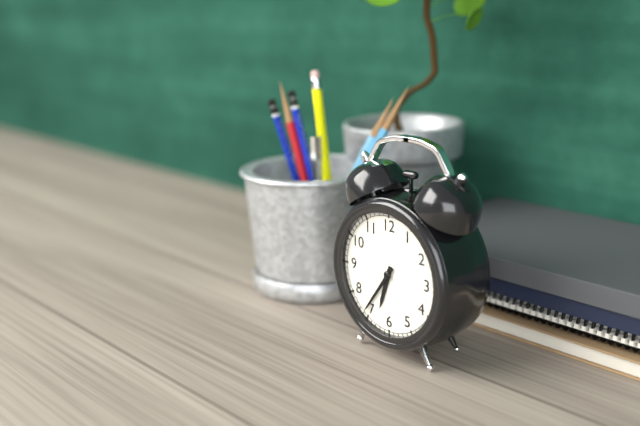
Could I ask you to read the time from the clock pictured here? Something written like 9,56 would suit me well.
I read 6,36
